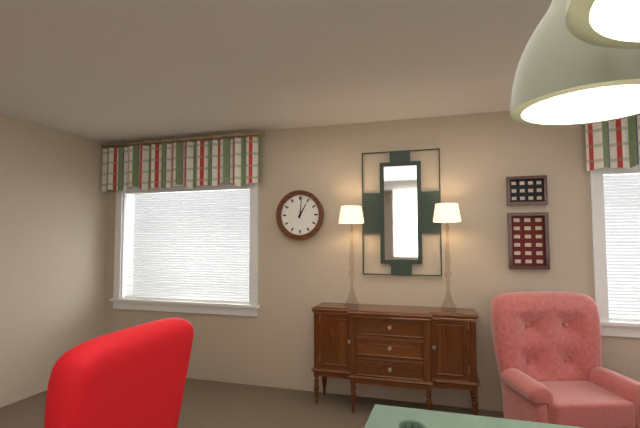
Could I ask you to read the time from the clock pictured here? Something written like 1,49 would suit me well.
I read 1,01
